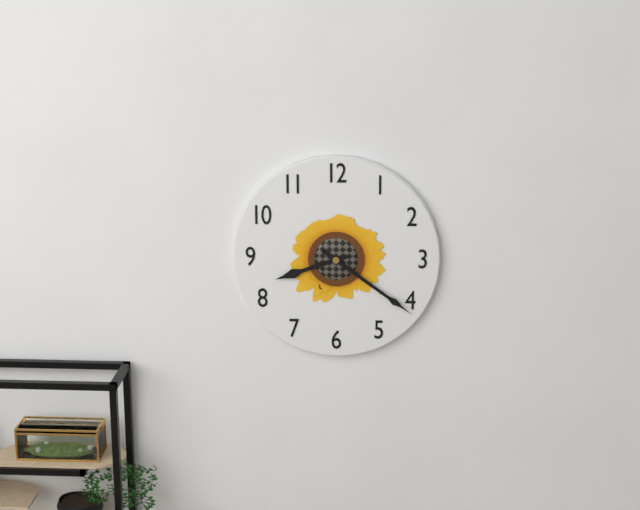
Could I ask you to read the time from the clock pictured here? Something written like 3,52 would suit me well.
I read 8,21
